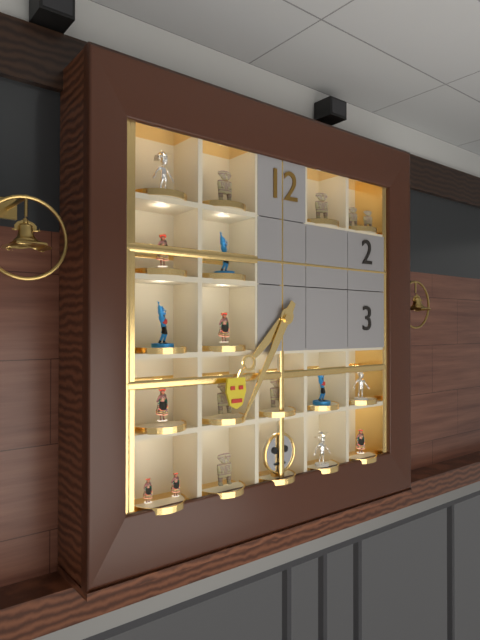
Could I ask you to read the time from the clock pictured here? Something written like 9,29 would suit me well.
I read 7,35
